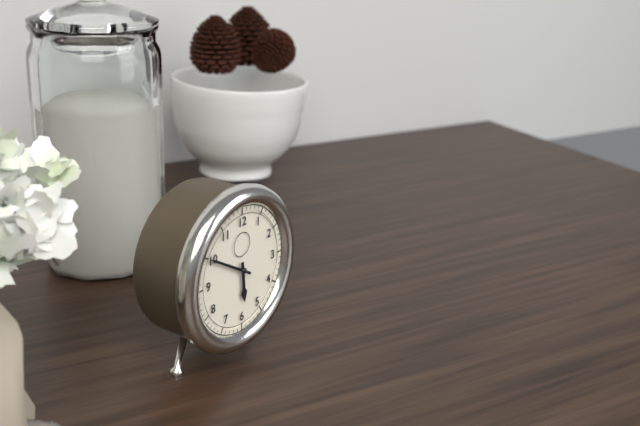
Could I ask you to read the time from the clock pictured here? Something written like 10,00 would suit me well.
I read 5,50
